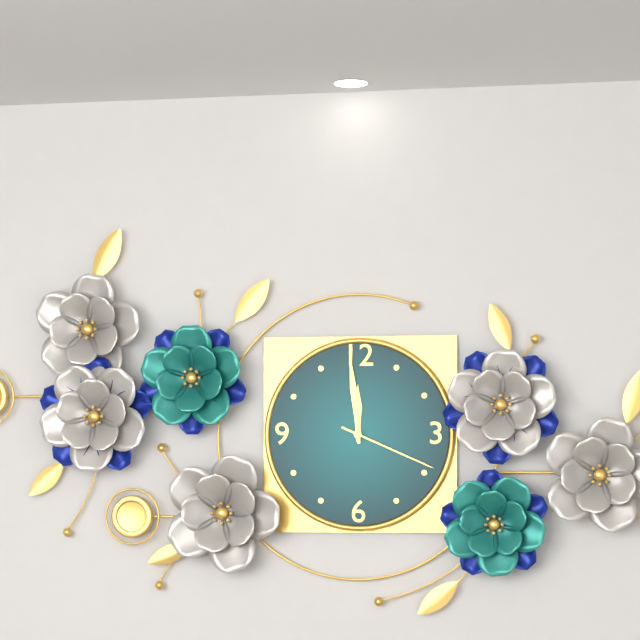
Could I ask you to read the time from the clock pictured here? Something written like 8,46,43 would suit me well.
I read 11,59,19
